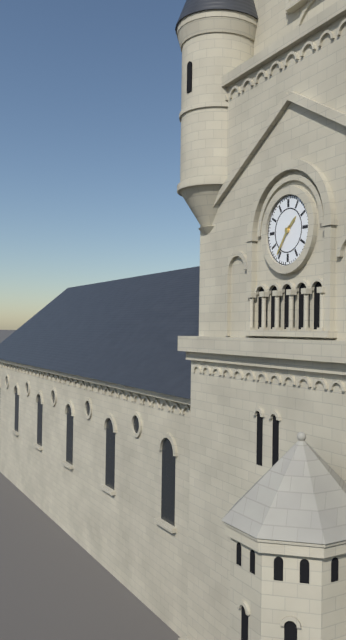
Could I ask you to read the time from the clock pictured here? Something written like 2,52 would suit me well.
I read 1,36
